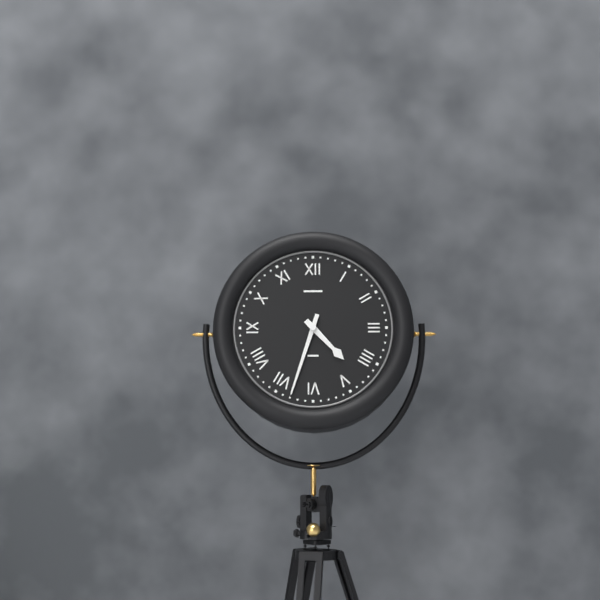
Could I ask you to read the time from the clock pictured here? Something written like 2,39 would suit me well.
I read 4,33
